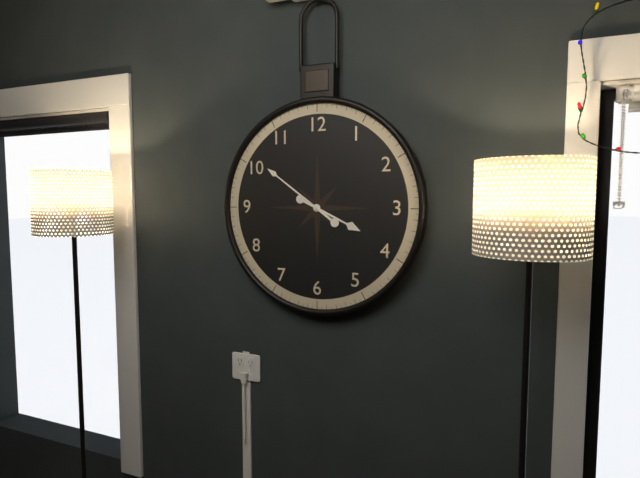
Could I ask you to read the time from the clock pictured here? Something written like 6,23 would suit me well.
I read 3,51
